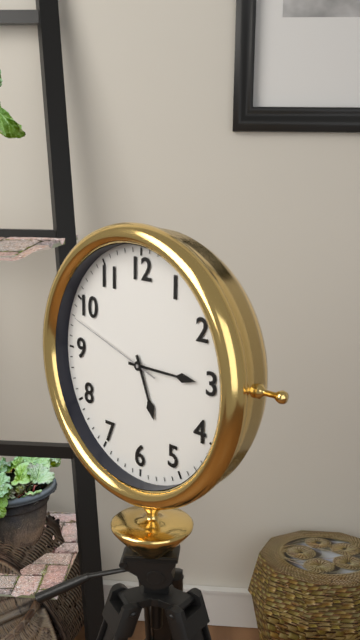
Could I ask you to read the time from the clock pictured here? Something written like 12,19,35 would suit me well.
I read 5,15,48
